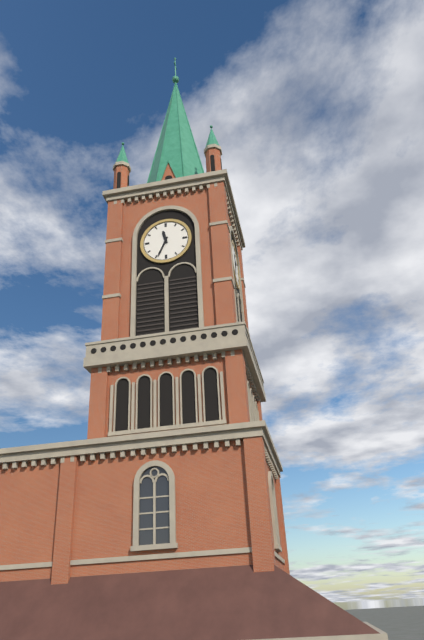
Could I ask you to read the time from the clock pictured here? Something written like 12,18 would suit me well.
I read 11,34
